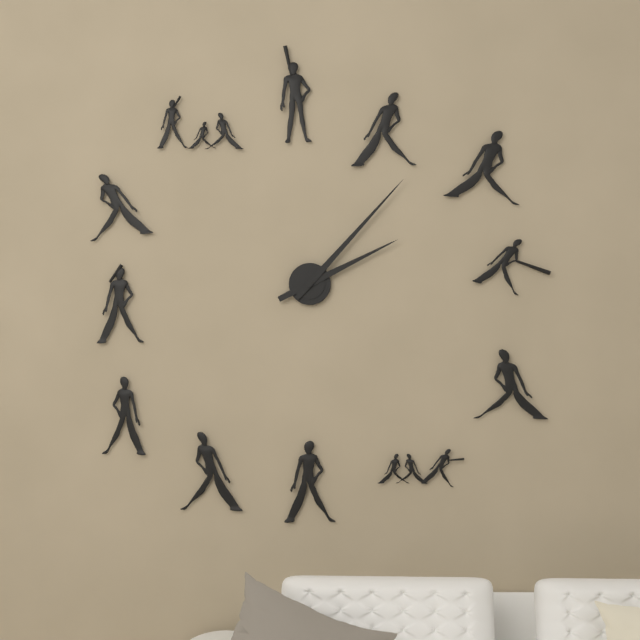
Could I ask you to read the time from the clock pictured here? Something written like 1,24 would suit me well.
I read 2,07
